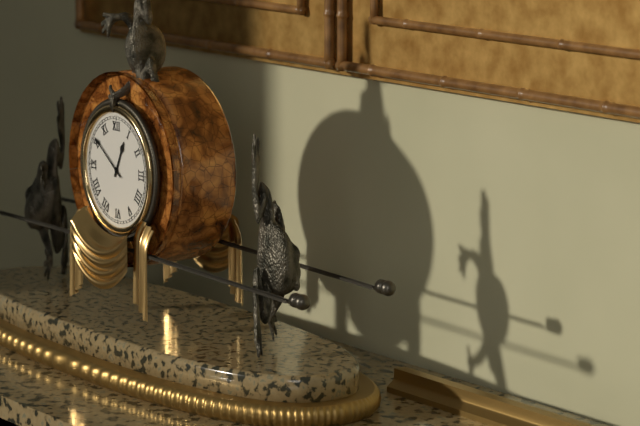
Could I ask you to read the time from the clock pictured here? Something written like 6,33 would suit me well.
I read 12,51
